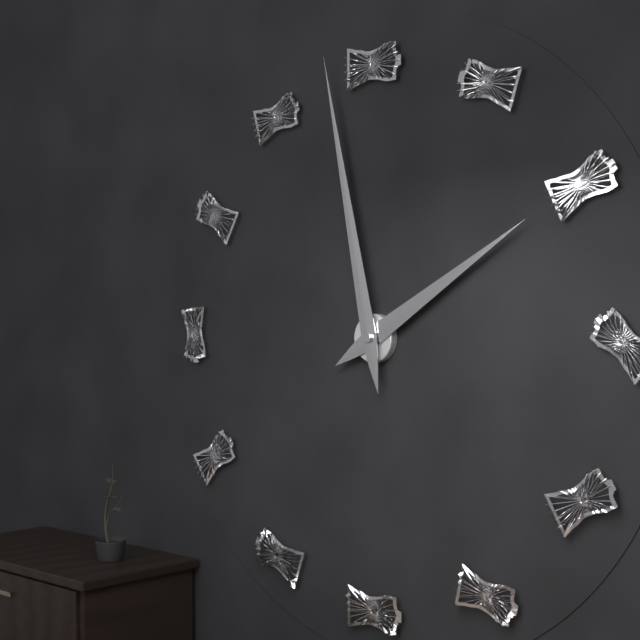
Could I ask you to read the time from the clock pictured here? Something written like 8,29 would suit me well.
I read 1,58
